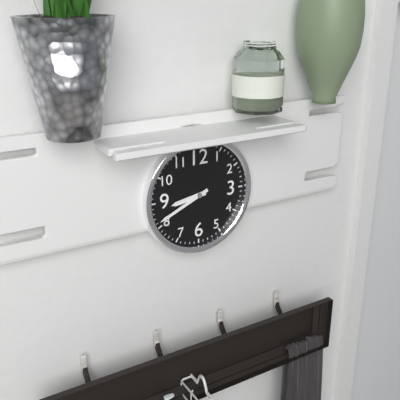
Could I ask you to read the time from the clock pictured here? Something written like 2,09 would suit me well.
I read 8,41
